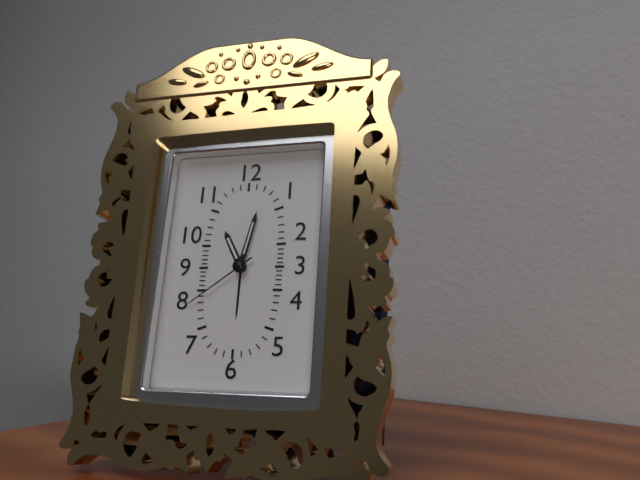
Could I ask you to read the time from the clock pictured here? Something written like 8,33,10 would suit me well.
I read 11,02,39
